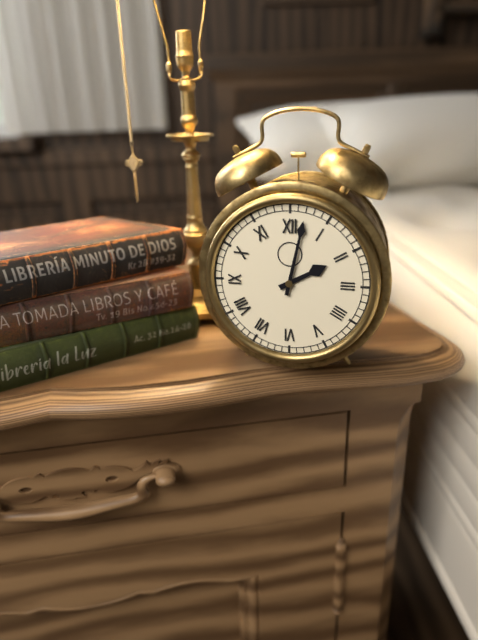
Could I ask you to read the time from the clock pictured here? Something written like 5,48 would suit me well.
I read 2,02
